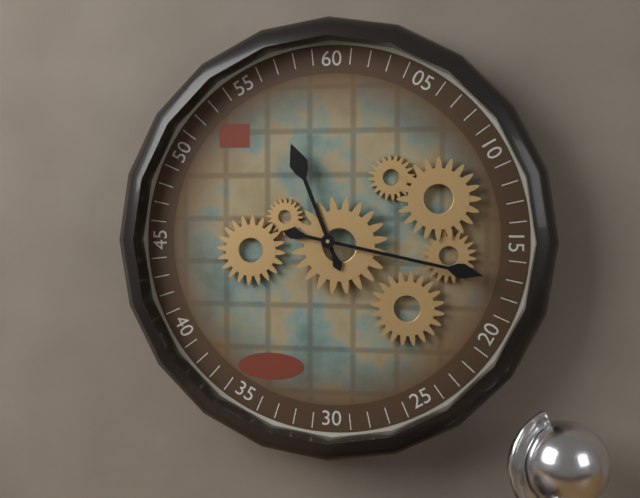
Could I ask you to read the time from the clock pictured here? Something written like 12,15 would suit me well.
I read 11,17
